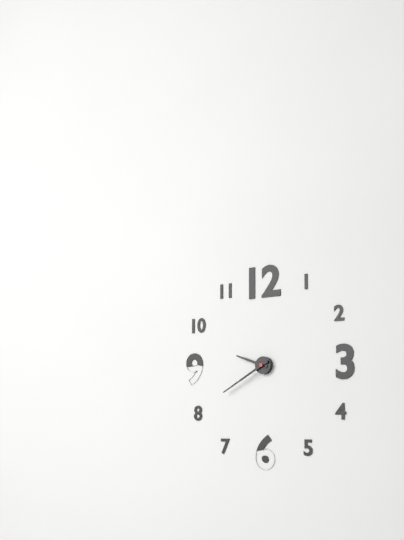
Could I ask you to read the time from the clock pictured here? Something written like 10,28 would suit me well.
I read 9,40
